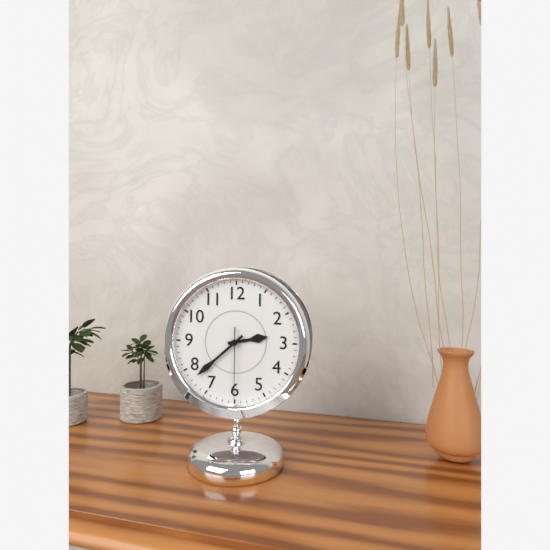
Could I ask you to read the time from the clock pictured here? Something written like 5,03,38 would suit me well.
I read 2,38,30
